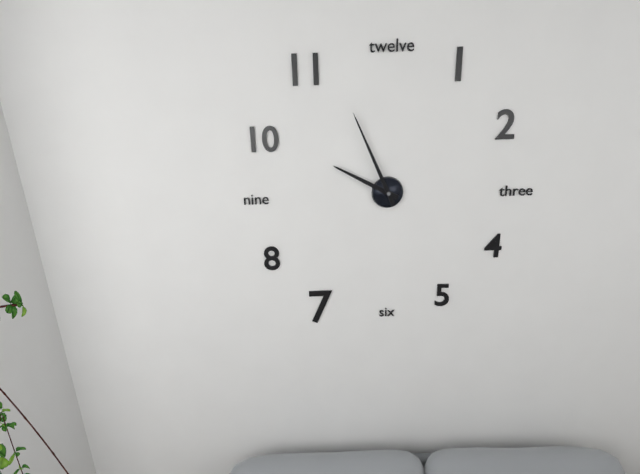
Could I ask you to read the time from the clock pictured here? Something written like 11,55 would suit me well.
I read 9,56
